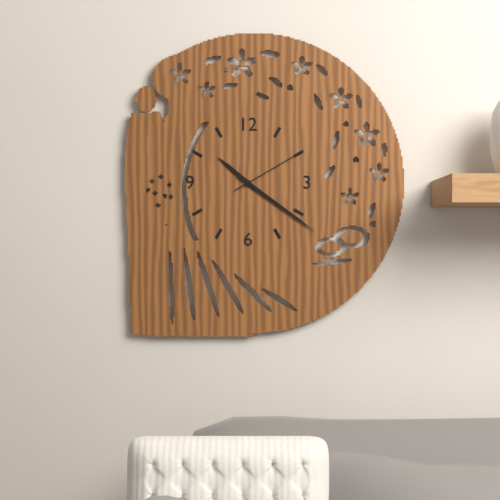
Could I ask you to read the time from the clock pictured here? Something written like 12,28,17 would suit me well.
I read 10,21,10
